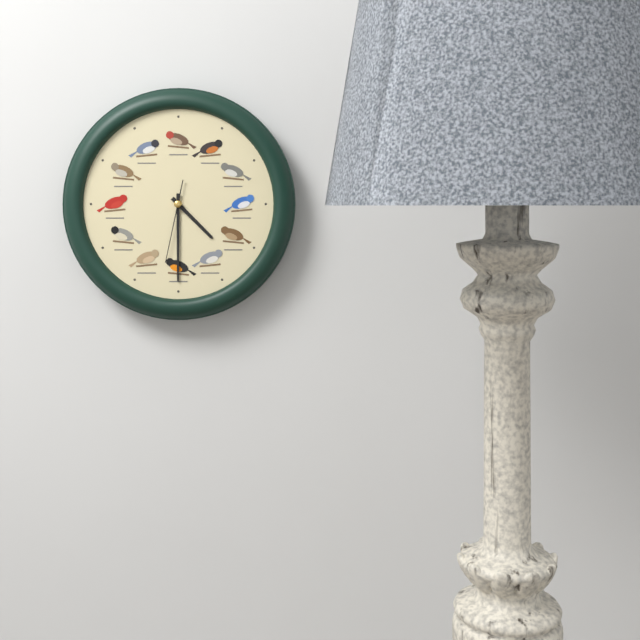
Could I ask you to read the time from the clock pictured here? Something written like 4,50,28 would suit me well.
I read 4,30,32
